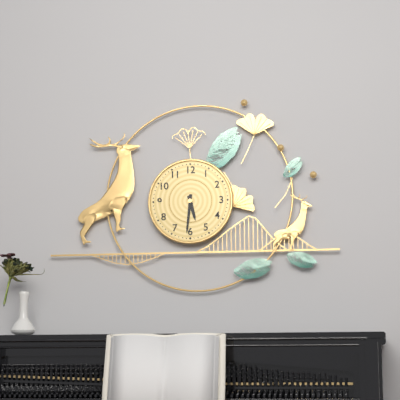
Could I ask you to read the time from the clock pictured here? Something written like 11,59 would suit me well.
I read 5,31
